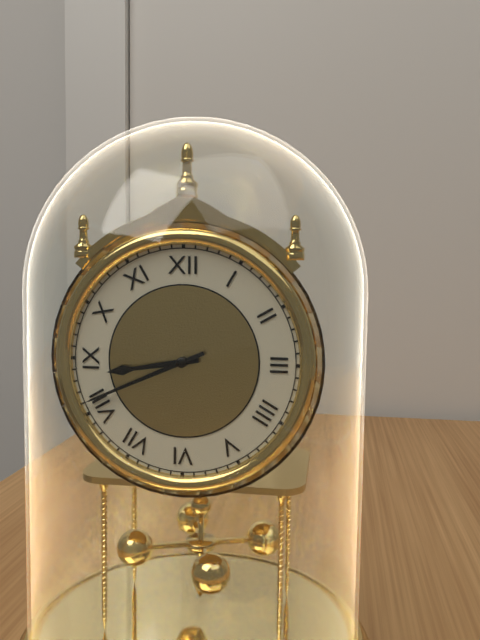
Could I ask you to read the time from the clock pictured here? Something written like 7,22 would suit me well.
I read 8,41
